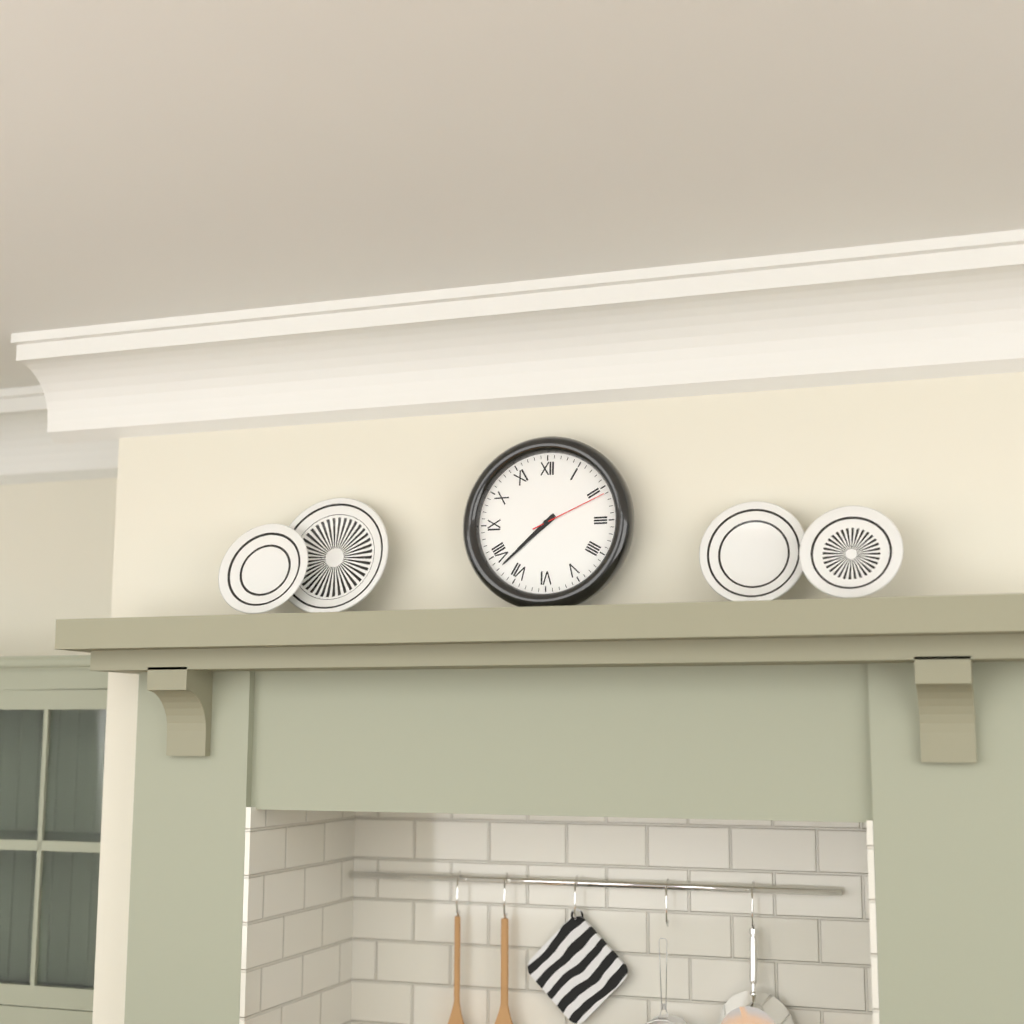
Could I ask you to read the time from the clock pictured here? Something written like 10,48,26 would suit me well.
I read 7,38,11
